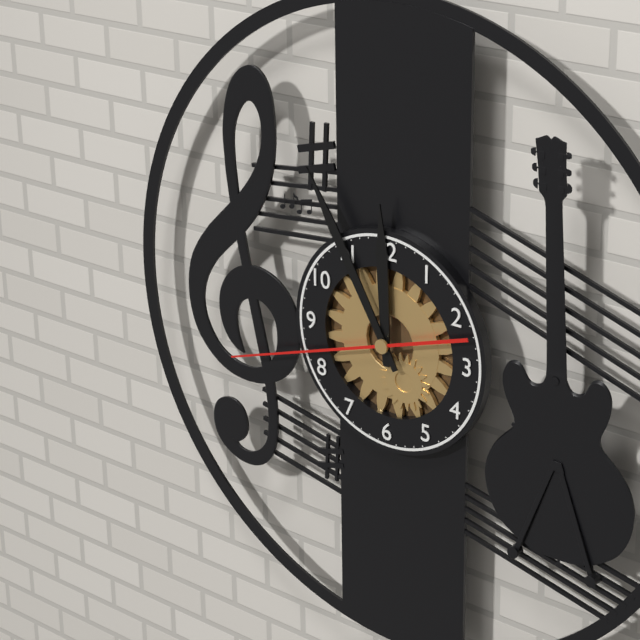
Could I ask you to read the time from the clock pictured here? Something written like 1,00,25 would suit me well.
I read 11,55,42
